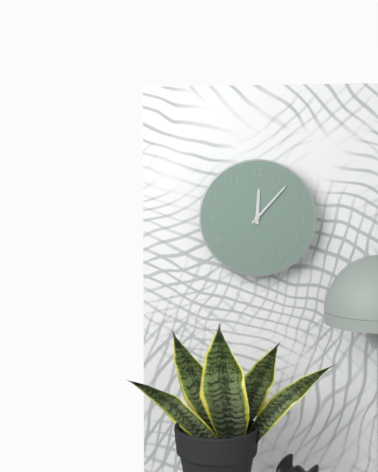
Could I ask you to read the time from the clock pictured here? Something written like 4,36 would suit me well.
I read 12,07
